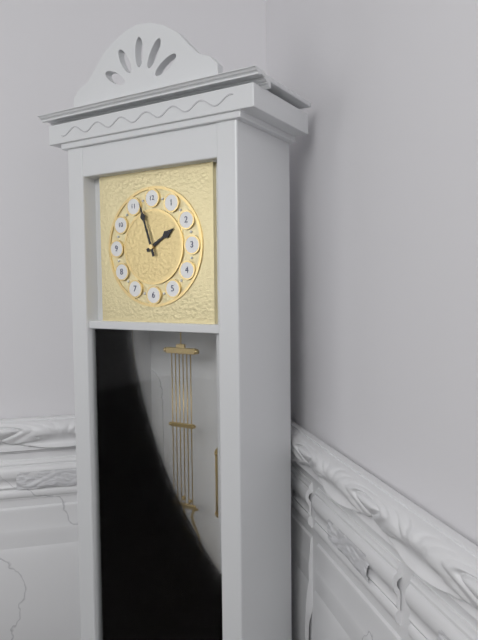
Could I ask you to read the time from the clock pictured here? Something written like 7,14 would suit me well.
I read 1,57
